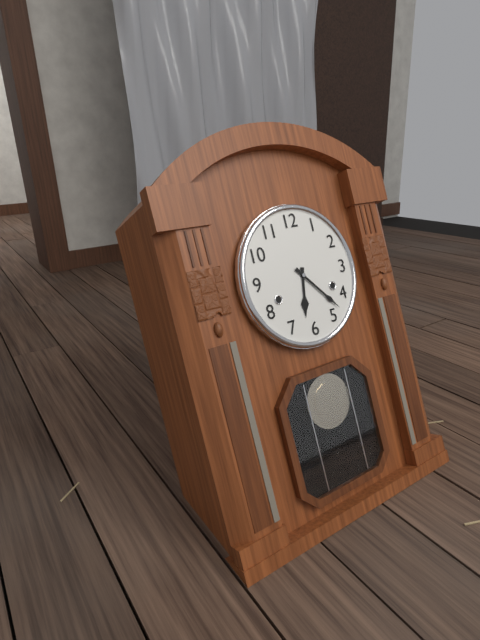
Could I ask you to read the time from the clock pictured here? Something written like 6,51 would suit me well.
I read 6,23
